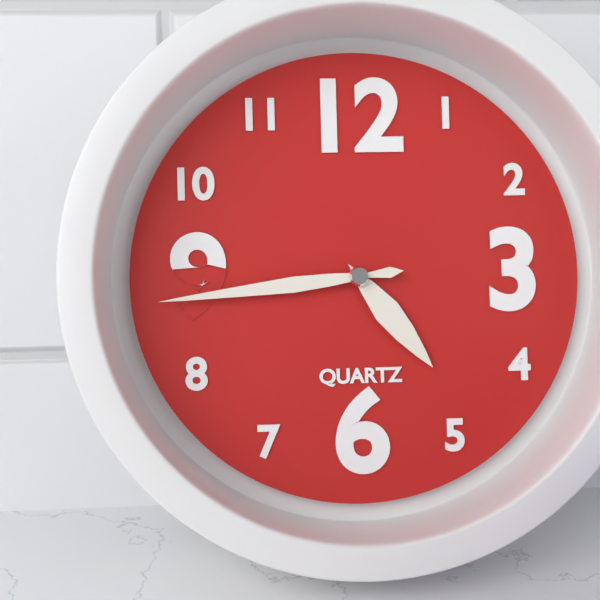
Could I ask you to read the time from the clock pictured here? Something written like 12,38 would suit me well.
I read 4,44
